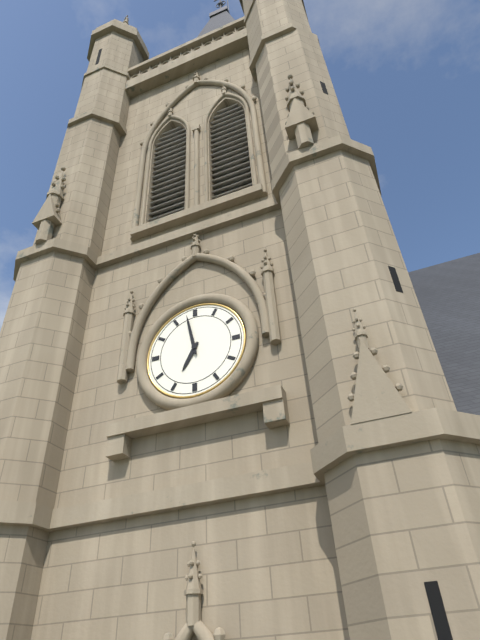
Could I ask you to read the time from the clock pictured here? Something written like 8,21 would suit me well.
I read 6,58
